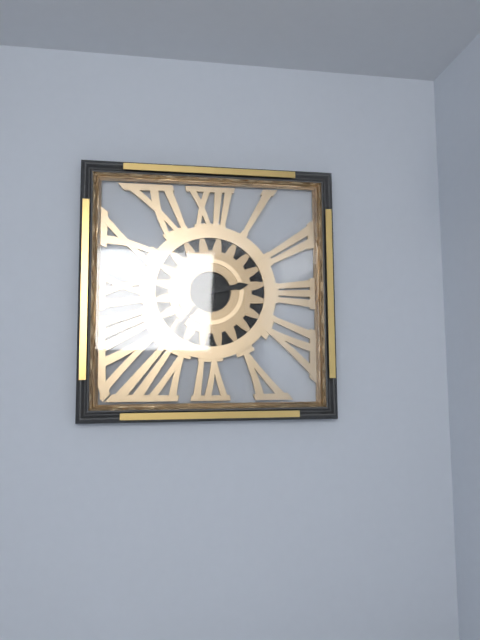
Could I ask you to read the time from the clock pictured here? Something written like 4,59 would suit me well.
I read 2,37
